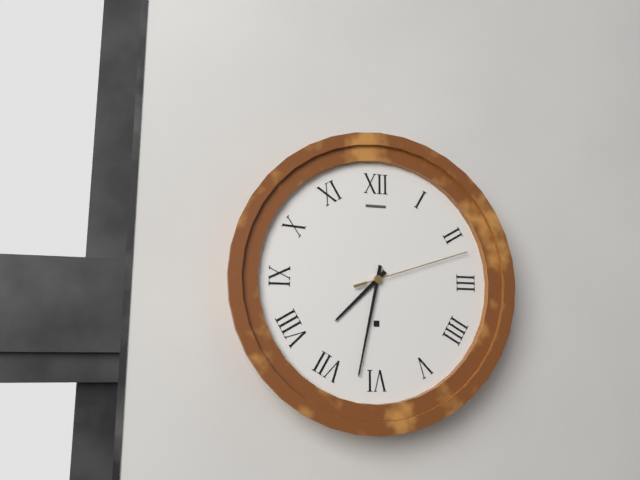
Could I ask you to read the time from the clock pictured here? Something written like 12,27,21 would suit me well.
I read 7,32,12
